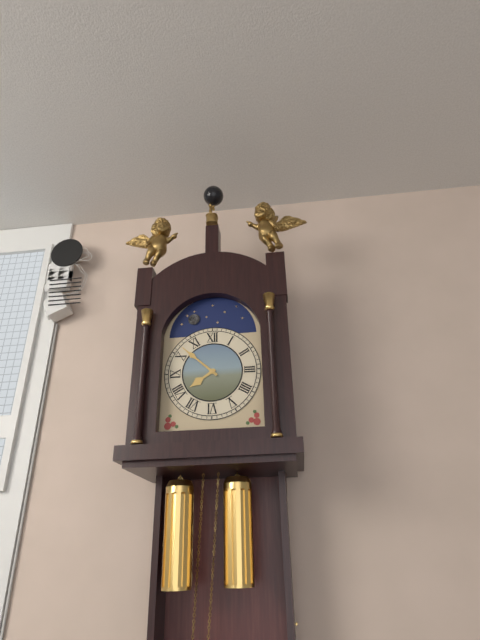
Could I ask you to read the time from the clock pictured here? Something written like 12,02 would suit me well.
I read 7,52
